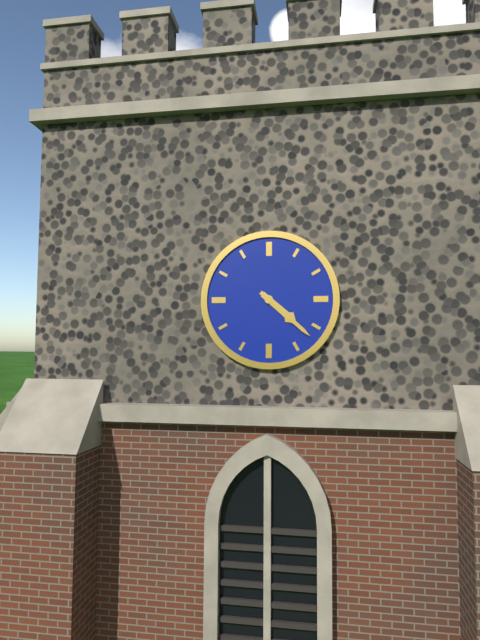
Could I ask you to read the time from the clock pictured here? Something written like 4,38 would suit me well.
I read 4,22
